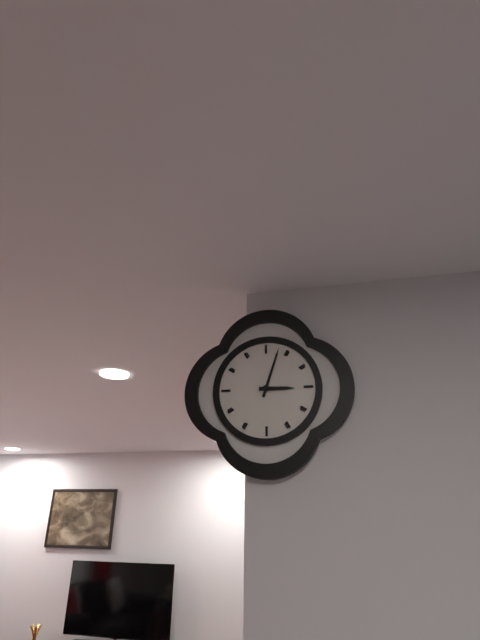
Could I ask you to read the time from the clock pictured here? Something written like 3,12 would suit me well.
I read 3,03
